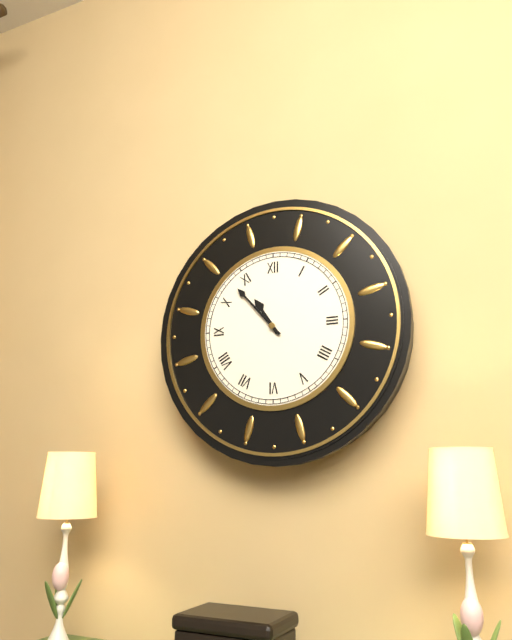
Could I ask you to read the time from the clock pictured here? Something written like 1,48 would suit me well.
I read 10,53
